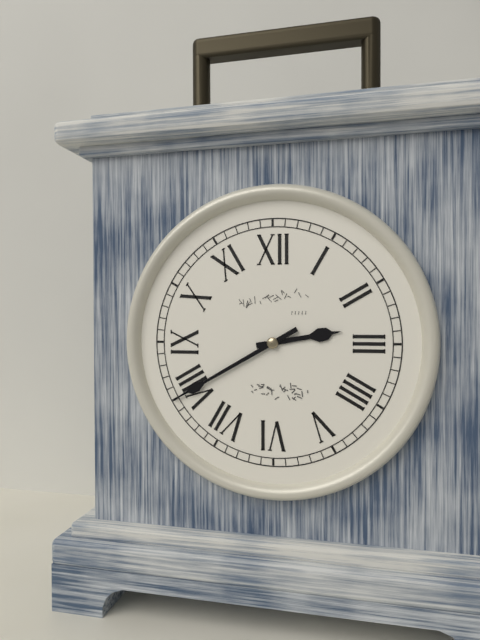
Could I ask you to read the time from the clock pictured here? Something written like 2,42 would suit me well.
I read 2,40
